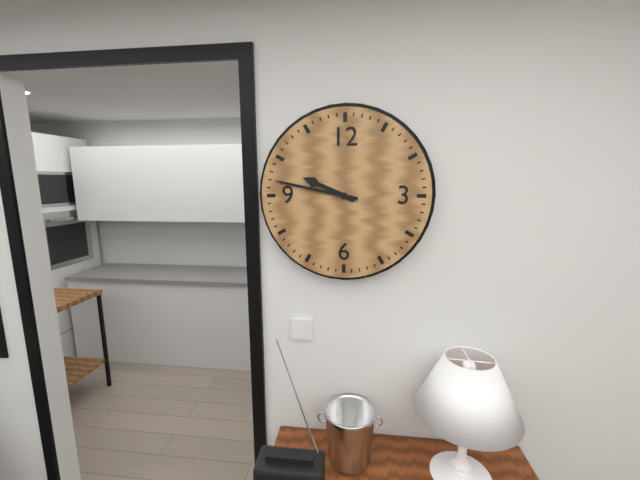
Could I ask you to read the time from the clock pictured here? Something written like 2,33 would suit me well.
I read 9,47
